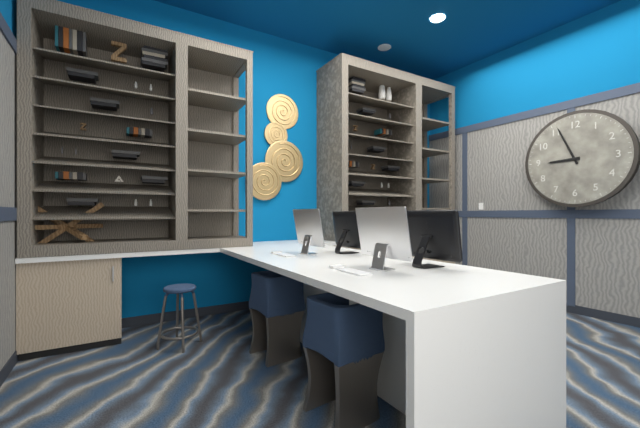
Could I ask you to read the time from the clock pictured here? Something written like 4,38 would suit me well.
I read 8,56
